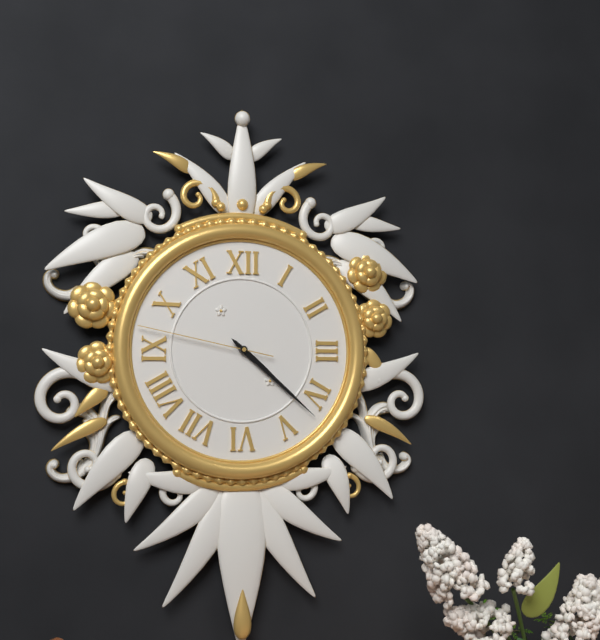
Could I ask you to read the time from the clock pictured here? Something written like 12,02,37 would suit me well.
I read 4,22,47
